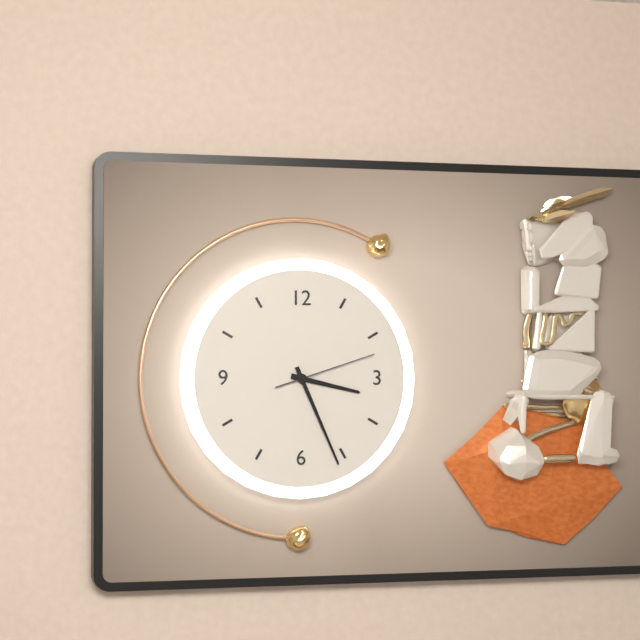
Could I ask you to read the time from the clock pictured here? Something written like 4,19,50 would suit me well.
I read 3,26,12
